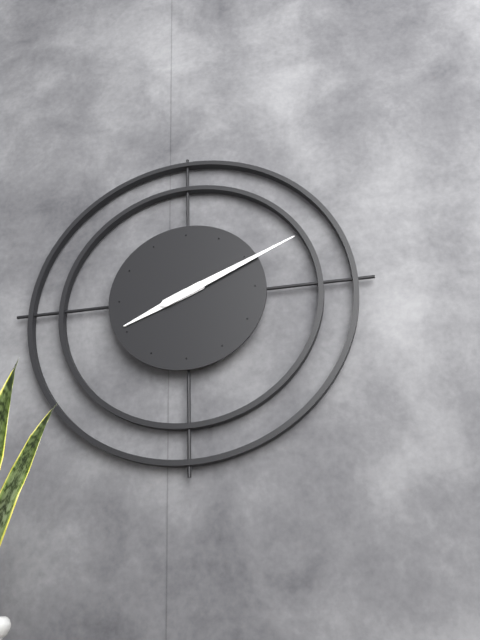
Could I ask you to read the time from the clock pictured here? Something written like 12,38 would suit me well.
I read 8,11
